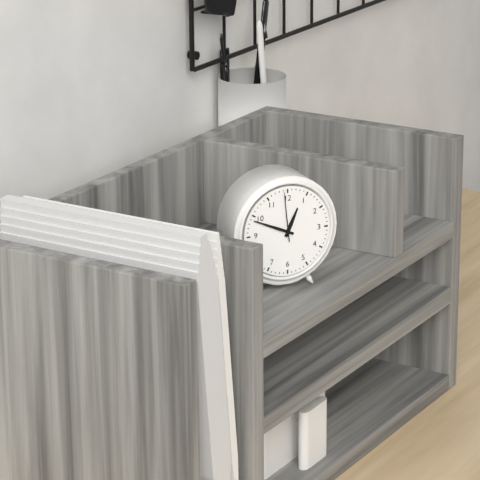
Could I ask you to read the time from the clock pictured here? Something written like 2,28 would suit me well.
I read 12,49
